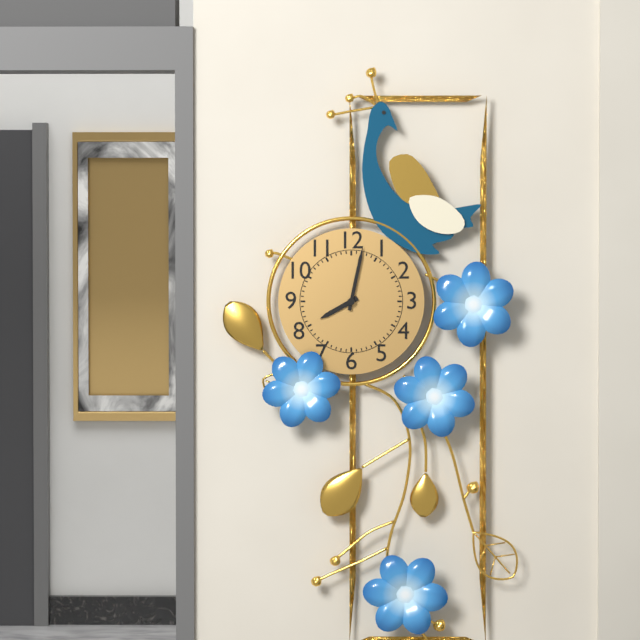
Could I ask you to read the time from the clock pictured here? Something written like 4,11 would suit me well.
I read 8,02
